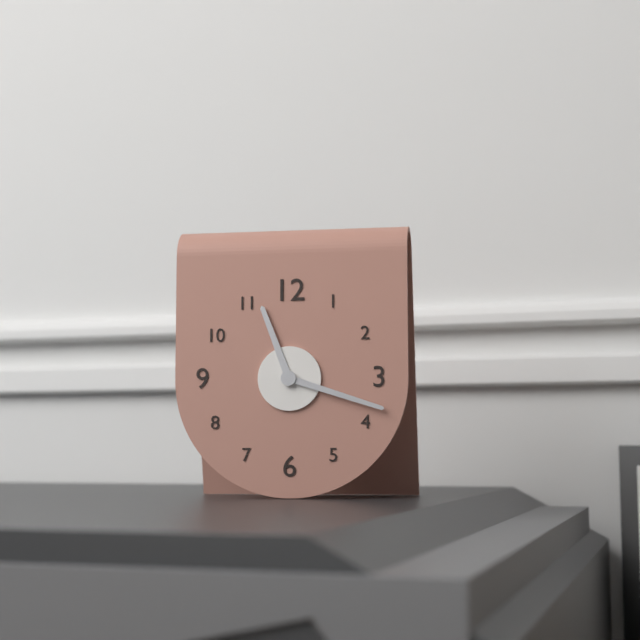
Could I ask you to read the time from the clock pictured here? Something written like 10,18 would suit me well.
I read 11,18
